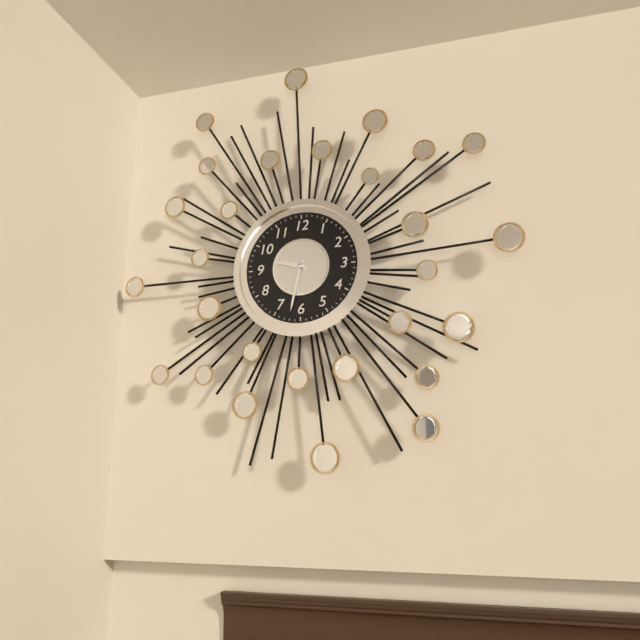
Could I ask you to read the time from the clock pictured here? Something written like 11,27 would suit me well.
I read 9,32
